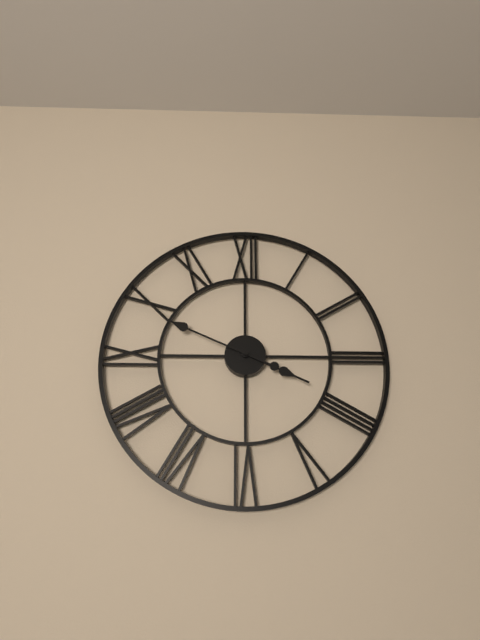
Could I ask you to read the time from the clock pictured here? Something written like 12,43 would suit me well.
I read 3,49
